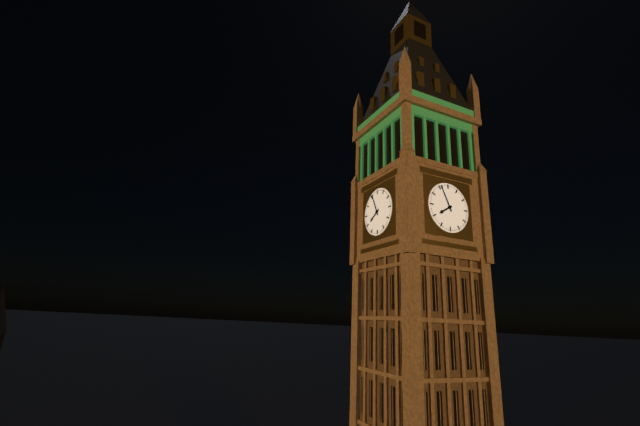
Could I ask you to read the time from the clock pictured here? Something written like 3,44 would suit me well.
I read 7,56
